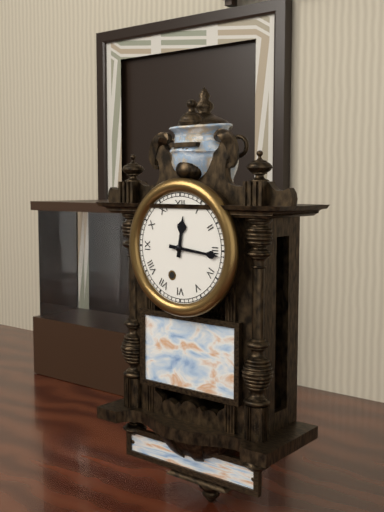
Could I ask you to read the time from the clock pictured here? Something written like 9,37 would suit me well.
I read 12,16
